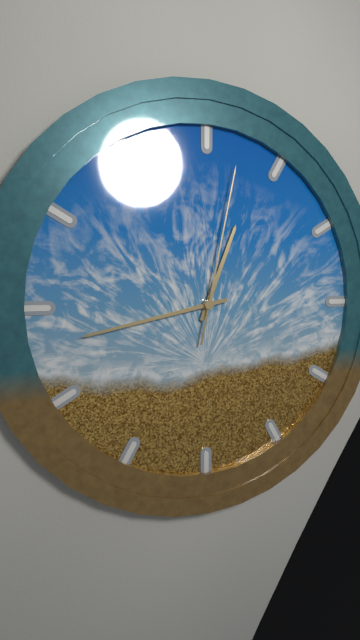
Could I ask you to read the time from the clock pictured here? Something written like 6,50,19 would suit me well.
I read 12,43,02
